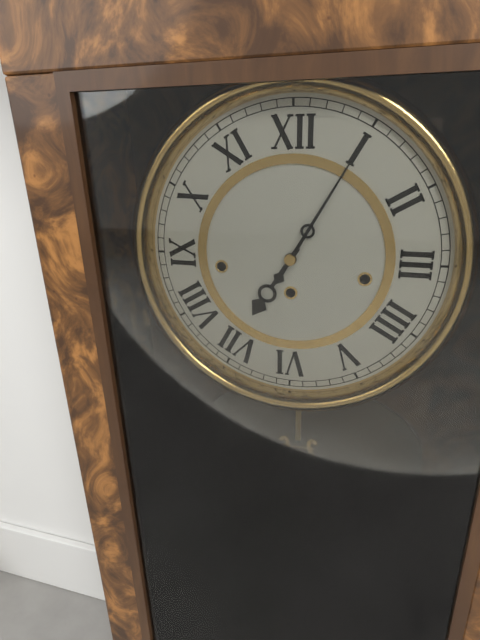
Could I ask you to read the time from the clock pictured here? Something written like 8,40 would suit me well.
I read 7,05
